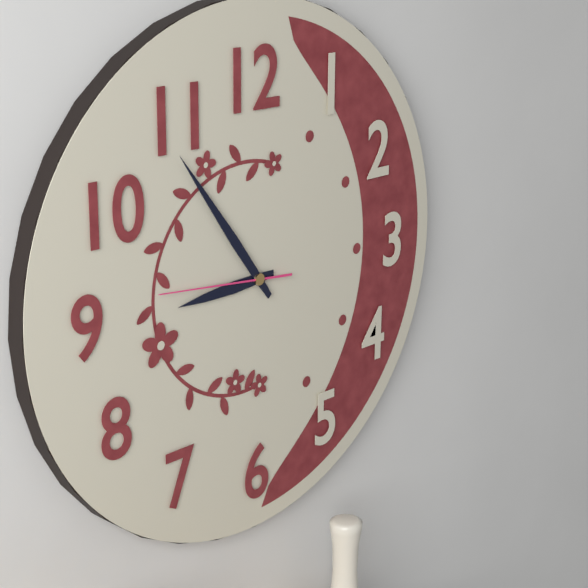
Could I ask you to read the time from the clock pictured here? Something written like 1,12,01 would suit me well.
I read 8,54,46
